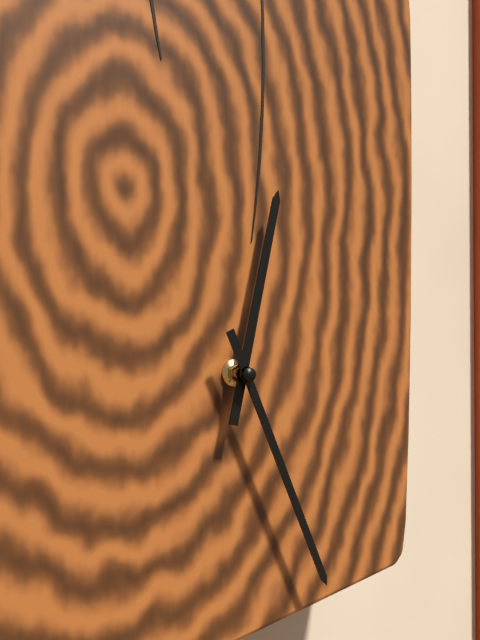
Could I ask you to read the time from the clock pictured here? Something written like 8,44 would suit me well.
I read 12,26
